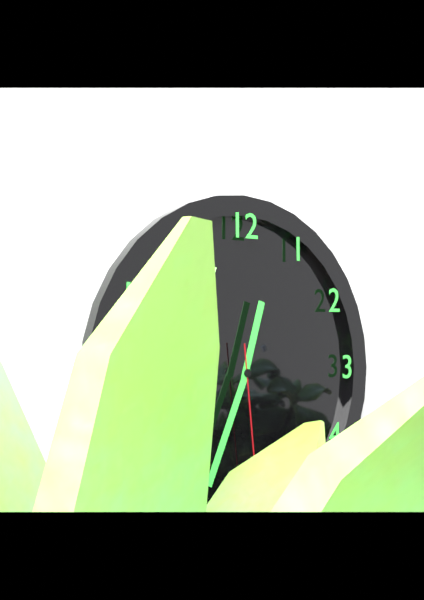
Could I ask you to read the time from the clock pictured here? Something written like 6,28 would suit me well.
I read 12,34
